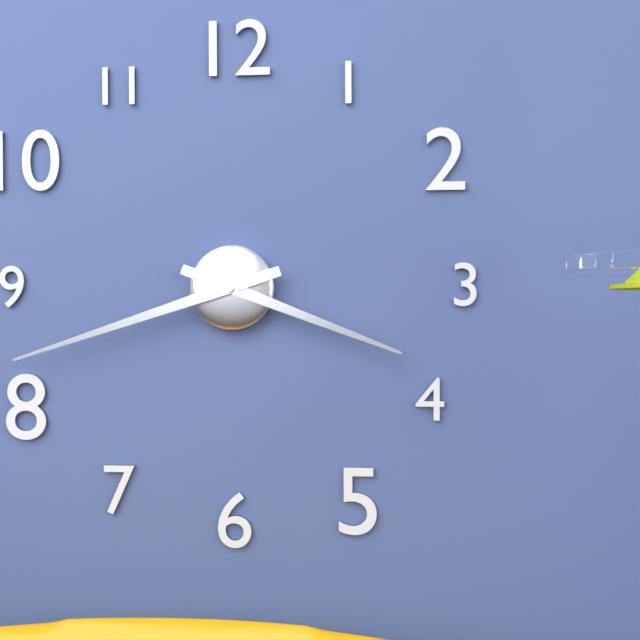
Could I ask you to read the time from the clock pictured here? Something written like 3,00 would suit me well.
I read 3,42
